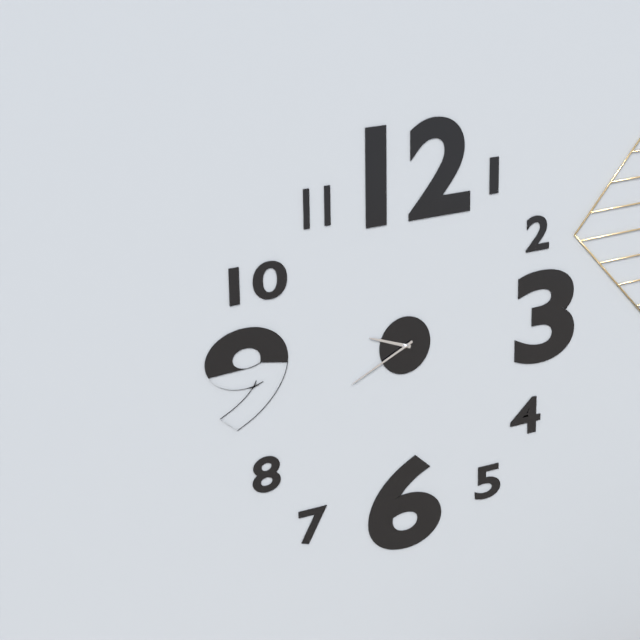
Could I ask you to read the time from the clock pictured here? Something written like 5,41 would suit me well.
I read 9,41
